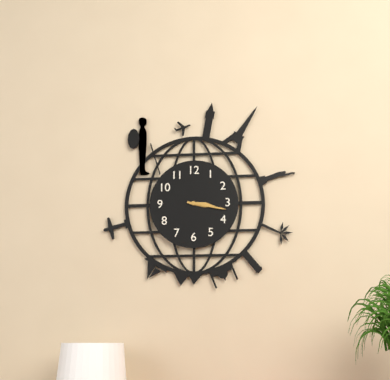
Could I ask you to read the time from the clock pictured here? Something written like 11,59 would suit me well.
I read 3,17
